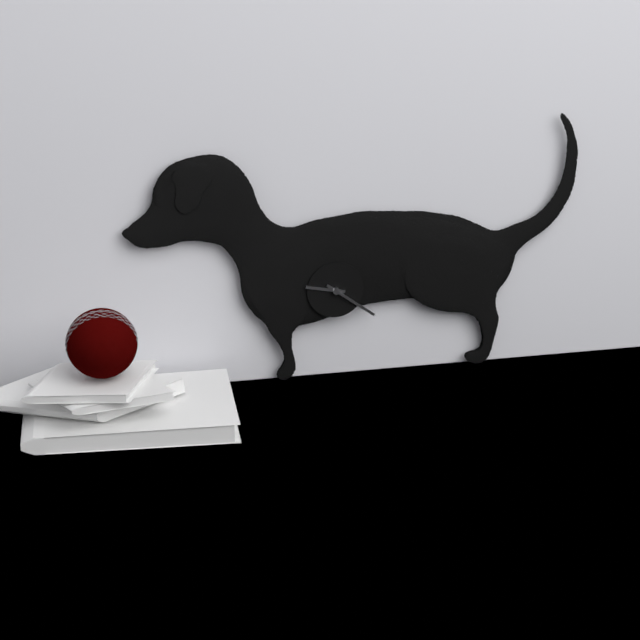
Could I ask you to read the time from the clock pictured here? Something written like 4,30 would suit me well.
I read 9,21
